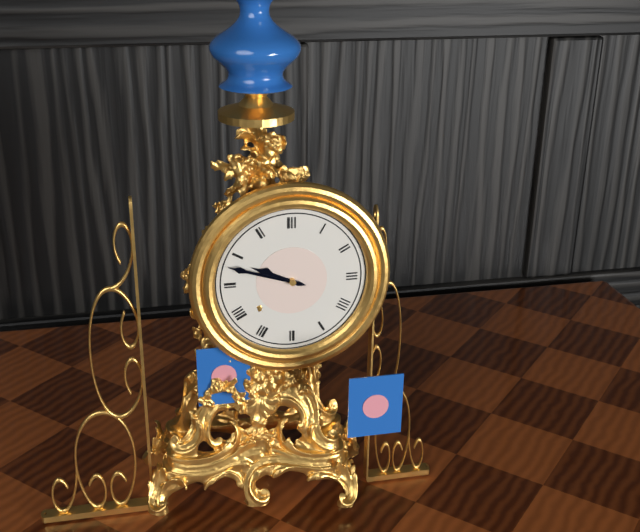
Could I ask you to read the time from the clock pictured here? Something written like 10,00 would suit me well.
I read 9,48
